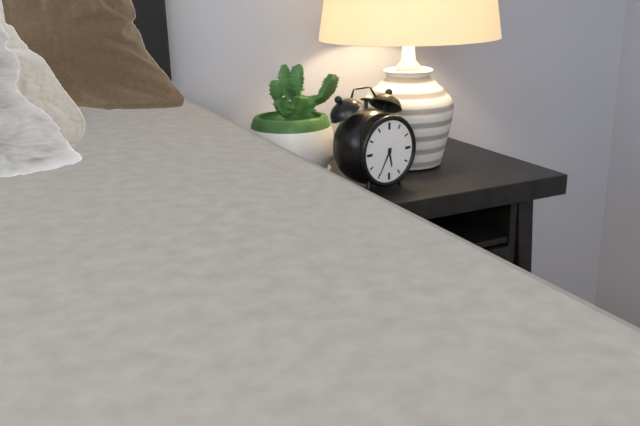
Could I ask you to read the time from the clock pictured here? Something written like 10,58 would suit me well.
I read 5,35
